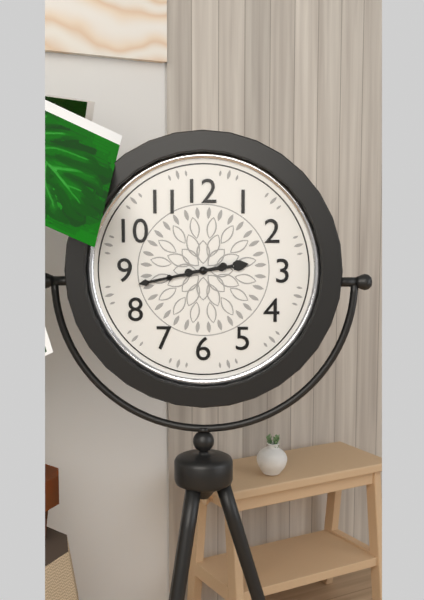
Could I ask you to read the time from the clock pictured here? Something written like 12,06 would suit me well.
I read 2,43
